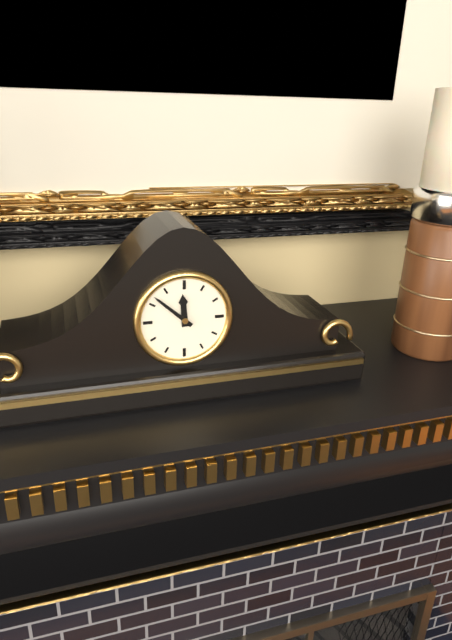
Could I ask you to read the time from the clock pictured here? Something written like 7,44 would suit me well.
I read 11,52
